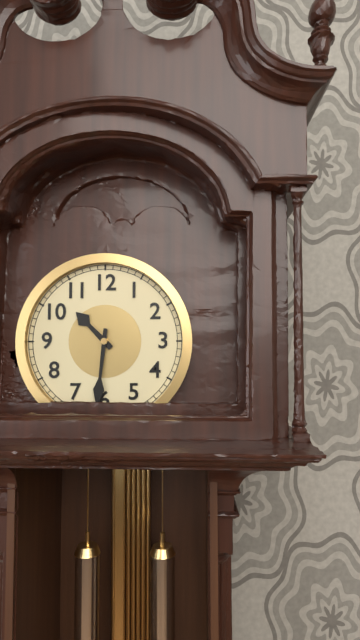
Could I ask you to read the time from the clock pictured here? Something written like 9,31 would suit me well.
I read 10,31
